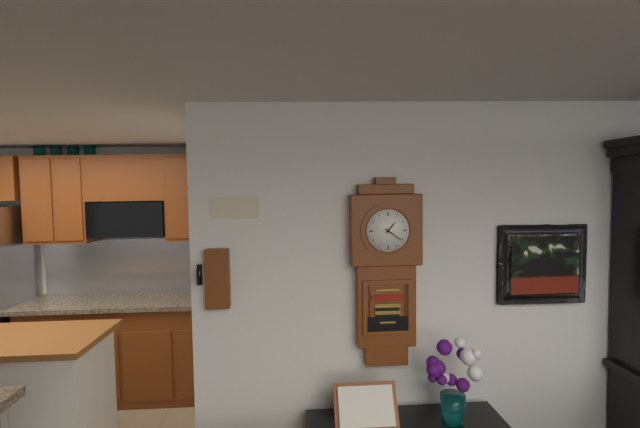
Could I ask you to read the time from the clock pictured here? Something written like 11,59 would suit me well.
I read 1,21
